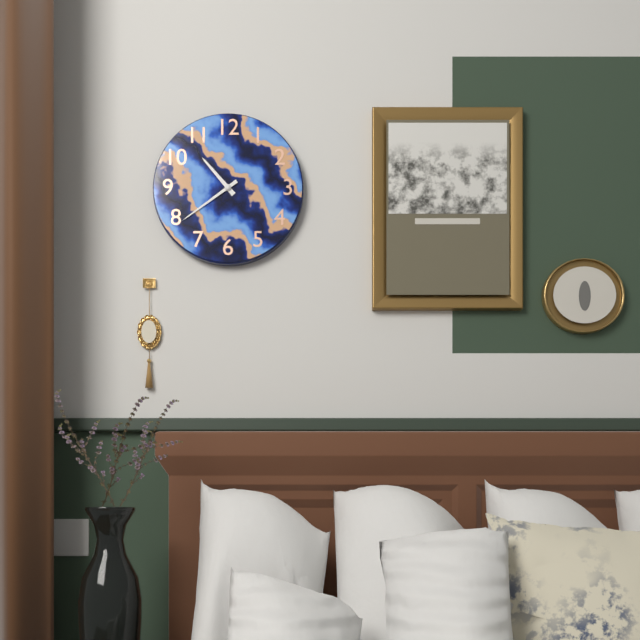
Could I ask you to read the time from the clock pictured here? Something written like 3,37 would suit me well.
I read 10,39
